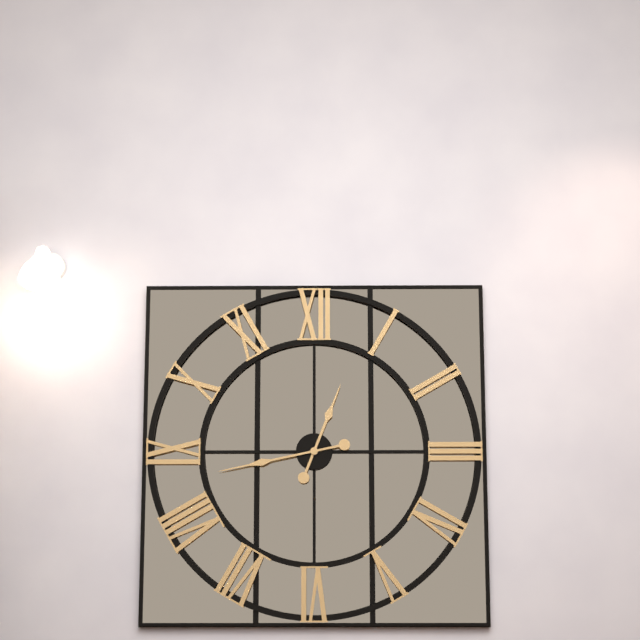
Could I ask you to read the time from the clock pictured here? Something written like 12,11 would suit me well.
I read 12,43
